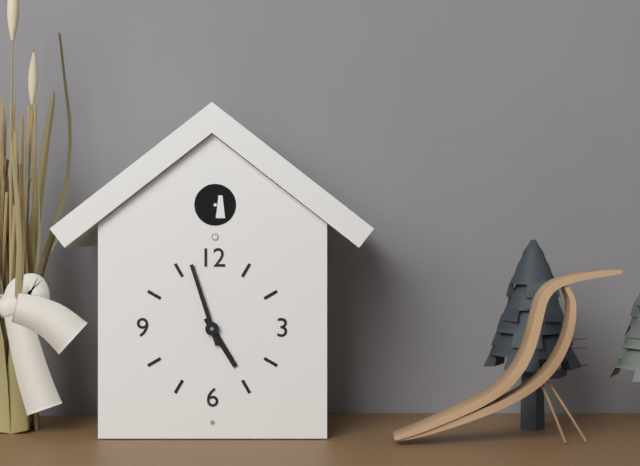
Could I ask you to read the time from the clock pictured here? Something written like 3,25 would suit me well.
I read 4,57
